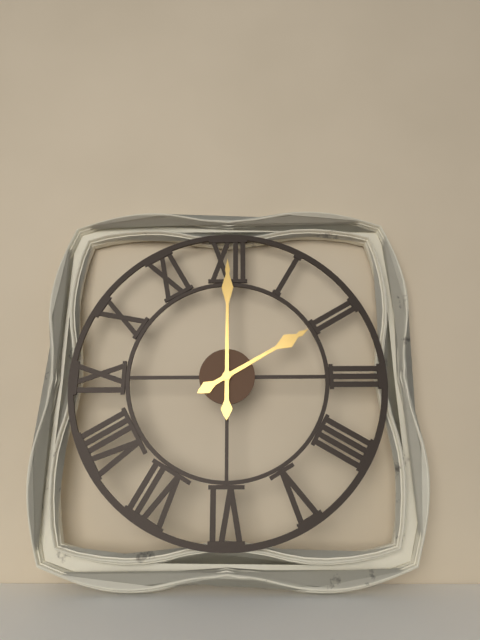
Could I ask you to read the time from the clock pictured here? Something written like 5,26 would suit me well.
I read 2,00
